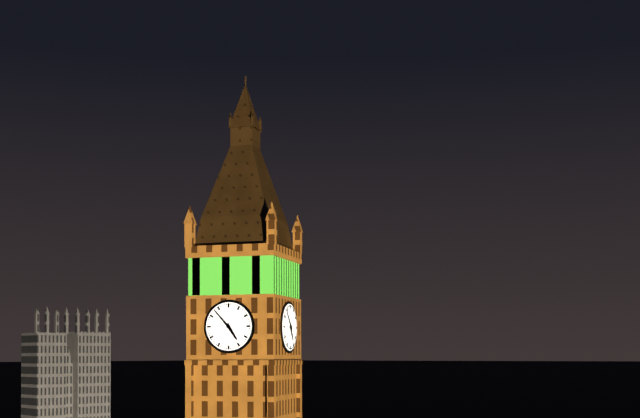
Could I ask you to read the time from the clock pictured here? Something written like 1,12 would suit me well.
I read 4,53
